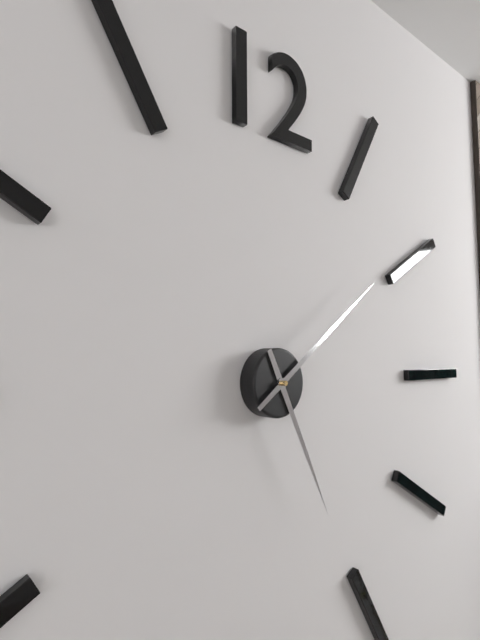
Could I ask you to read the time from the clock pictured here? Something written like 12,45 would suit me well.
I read 5,09
